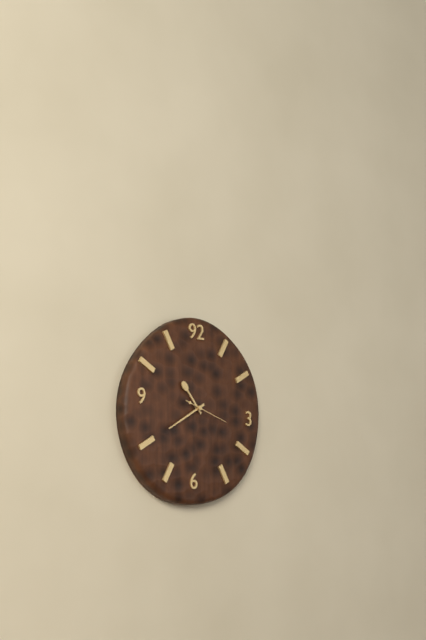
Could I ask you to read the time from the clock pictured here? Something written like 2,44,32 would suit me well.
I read 10,40,18
